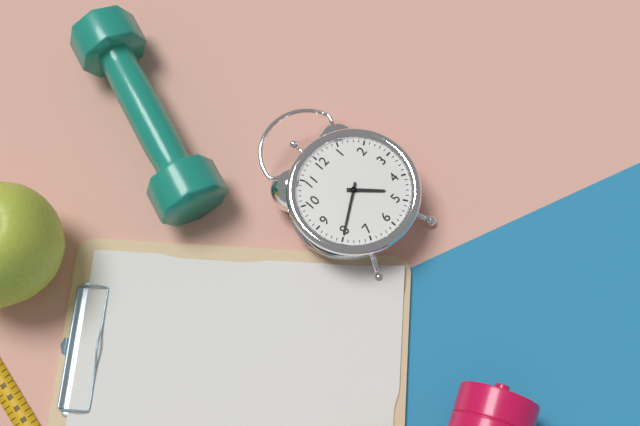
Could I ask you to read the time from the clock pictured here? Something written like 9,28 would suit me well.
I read 4,40
